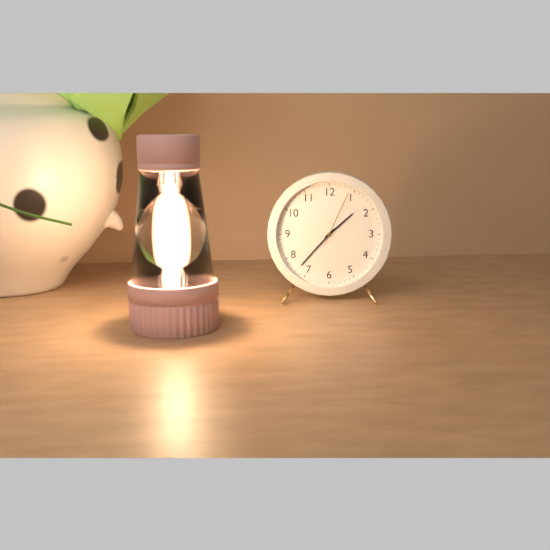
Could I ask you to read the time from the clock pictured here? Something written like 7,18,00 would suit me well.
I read 1,37,04
